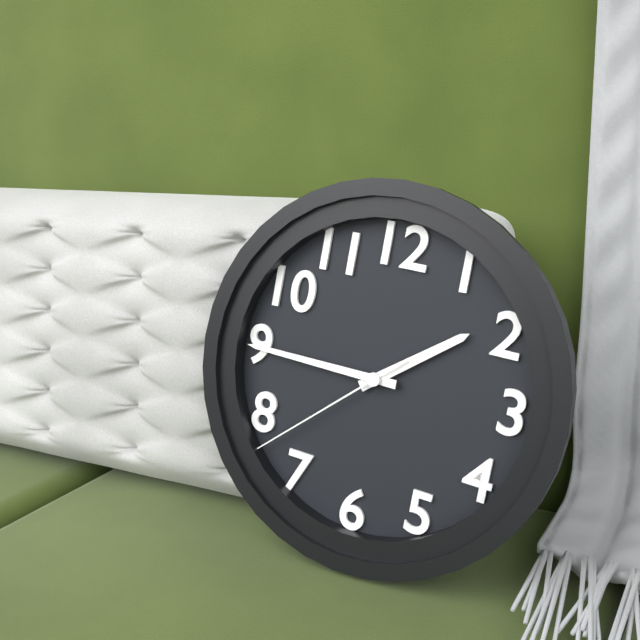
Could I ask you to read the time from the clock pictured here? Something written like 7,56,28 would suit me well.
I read 1,45,38
